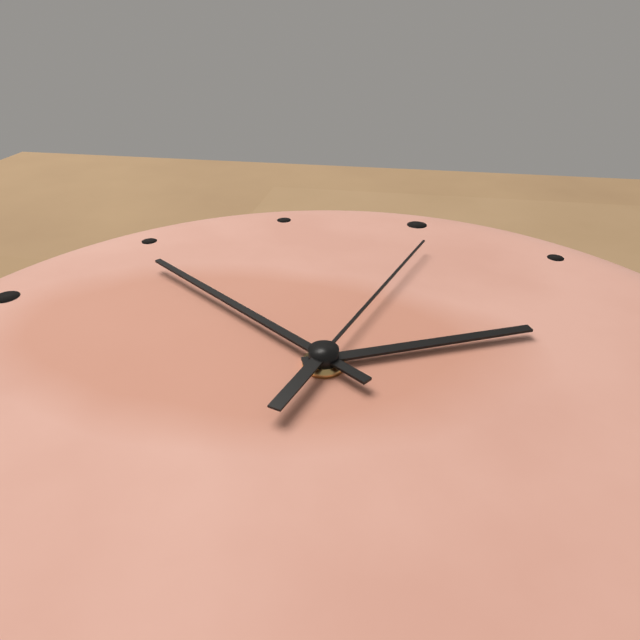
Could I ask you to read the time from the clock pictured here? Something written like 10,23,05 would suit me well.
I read 1,49,01
